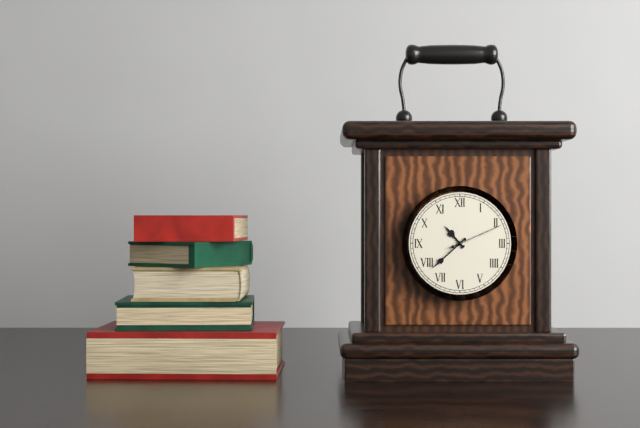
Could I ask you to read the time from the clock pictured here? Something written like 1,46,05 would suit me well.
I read 10,38,11
